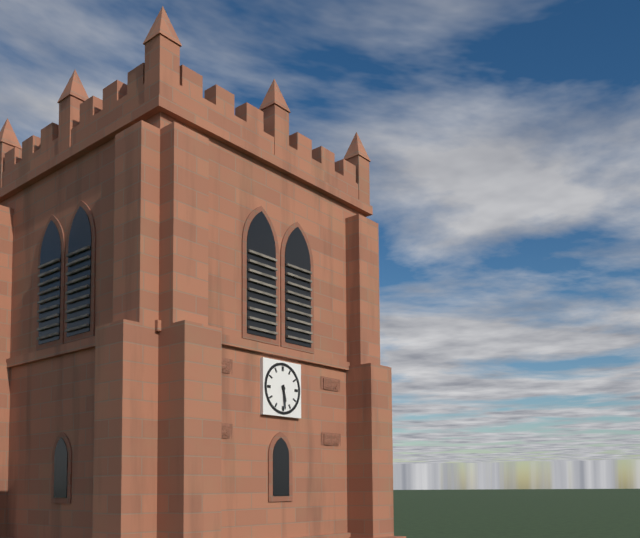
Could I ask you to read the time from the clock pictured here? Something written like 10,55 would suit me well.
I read 5,29
